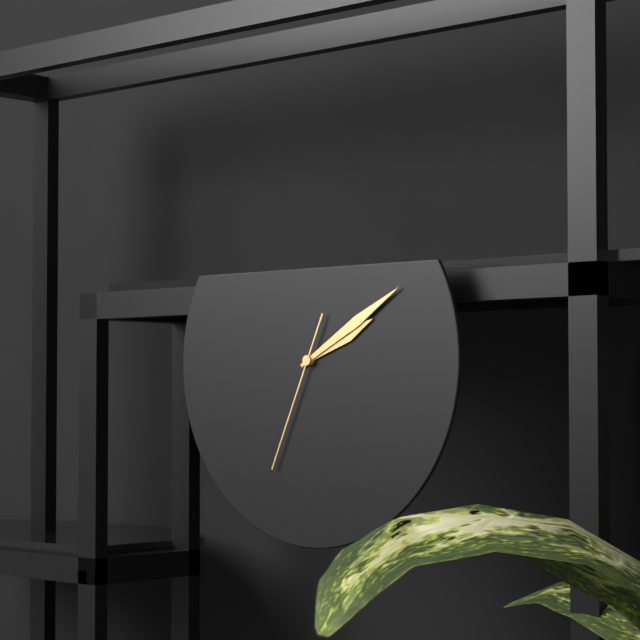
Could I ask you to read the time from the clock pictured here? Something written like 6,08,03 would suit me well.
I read 2,10,34
